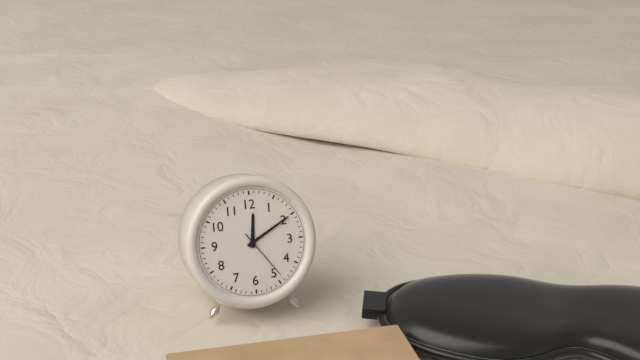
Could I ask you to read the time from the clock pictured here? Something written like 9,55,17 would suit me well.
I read 12,10,24
